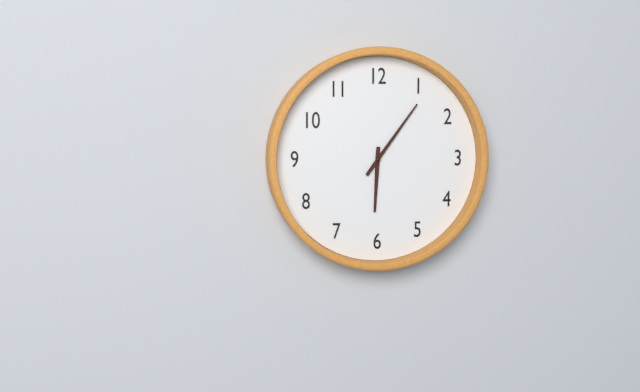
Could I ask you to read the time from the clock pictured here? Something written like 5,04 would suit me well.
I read 6,06
